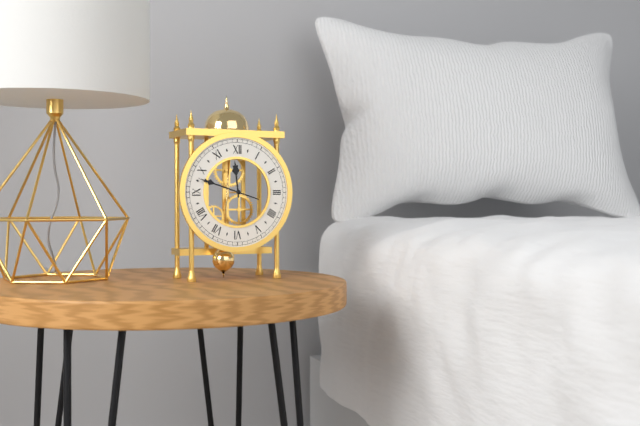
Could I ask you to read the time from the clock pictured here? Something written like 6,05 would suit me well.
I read 11,48
